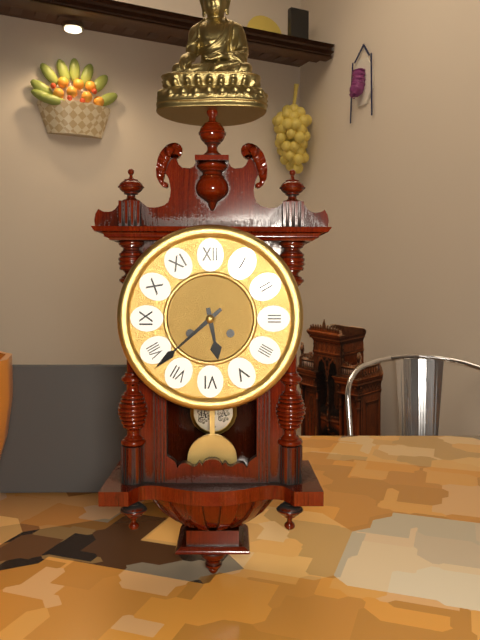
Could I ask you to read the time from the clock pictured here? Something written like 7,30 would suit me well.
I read 5,38
